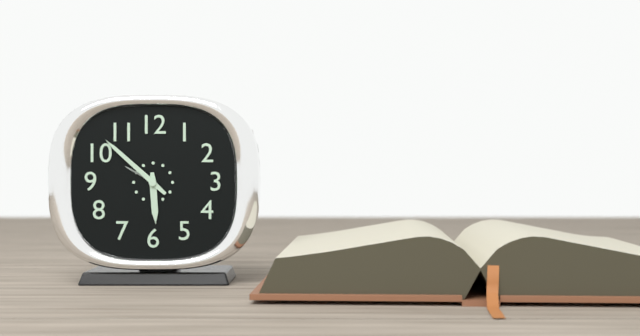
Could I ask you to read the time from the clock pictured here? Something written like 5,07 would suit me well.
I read 5,52
